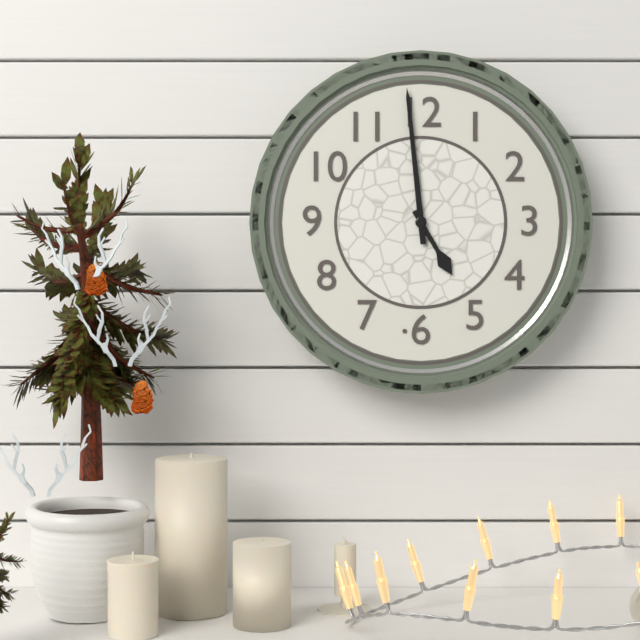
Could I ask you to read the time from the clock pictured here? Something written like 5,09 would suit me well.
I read 4,59
